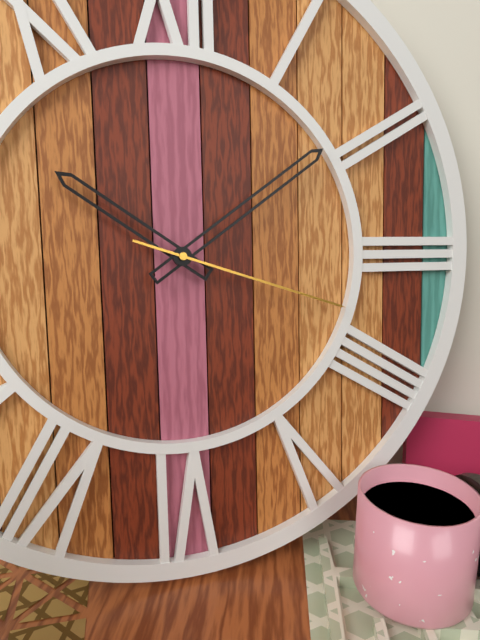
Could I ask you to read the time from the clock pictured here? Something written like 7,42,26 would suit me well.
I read 10,09,18
